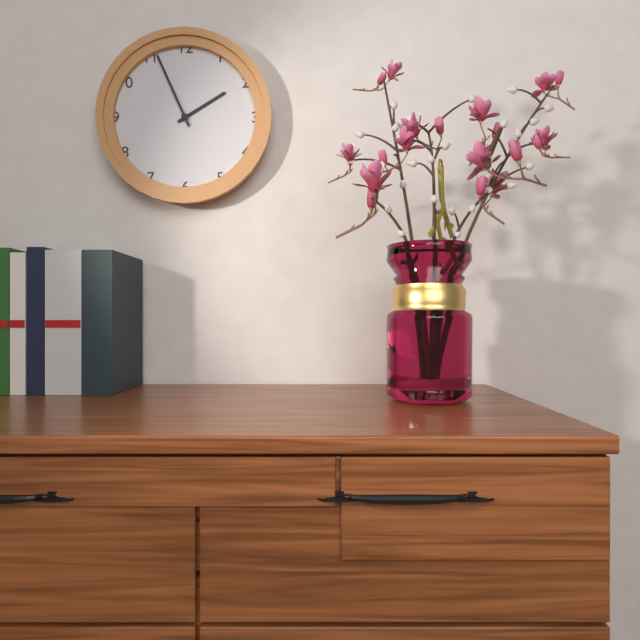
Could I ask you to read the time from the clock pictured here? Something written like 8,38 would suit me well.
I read 1,56
